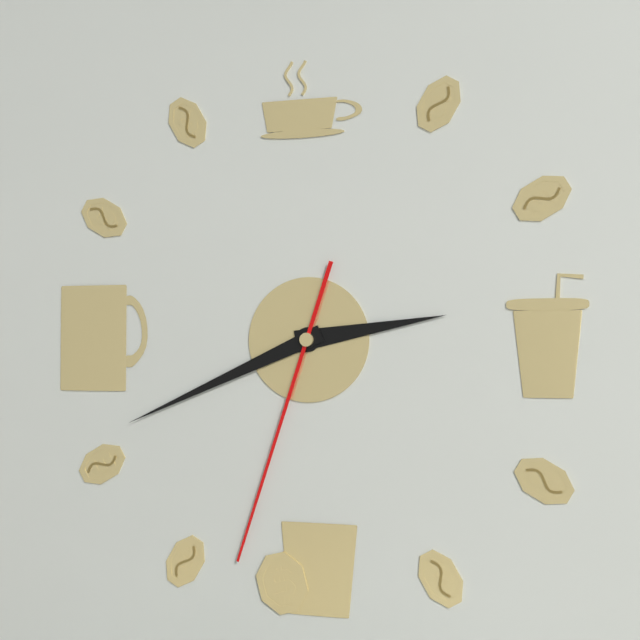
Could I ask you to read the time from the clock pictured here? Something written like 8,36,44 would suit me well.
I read 2,41,33
